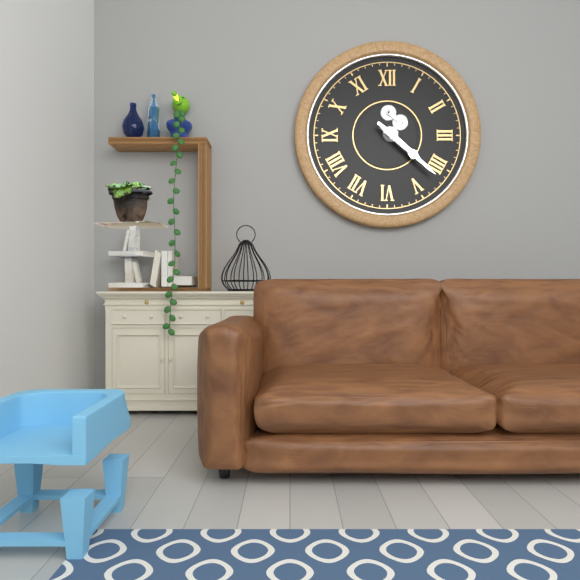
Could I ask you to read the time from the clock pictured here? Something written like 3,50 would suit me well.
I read 4,22
